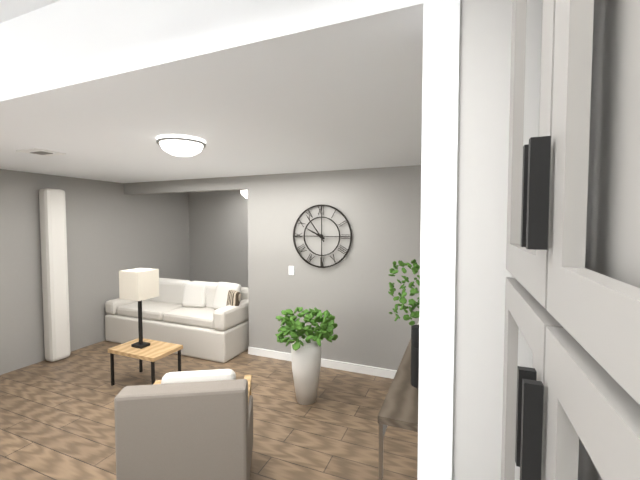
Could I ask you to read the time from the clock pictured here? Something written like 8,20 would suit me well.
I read 9,54
